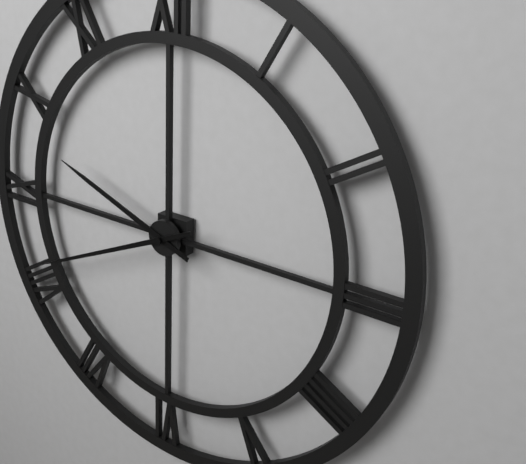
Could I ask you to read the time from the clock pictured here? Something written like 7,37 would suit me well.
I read 9,41
